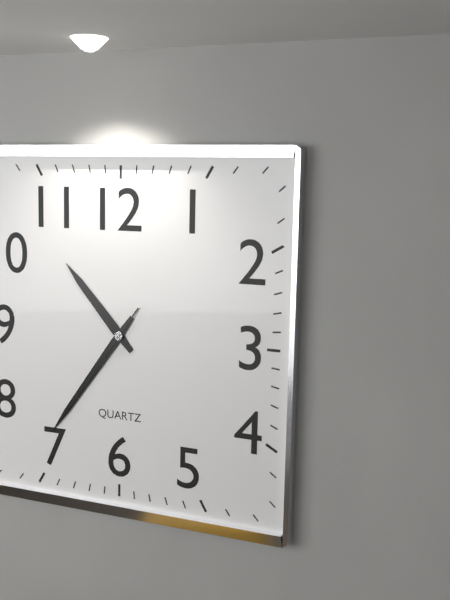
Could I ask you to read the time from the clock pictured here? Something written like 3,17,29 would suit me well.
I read 10,36,36
